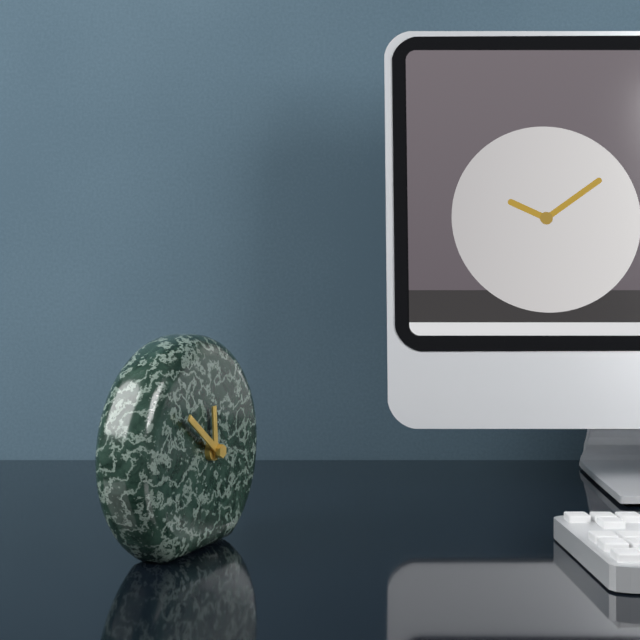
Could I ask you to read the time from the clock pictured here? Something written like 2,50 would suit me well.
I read 11,51
